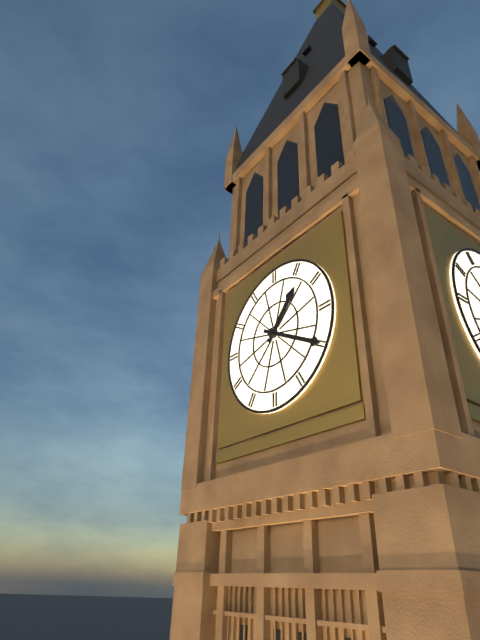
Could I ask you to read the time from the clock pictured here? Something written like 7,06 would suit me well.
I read 1,20
